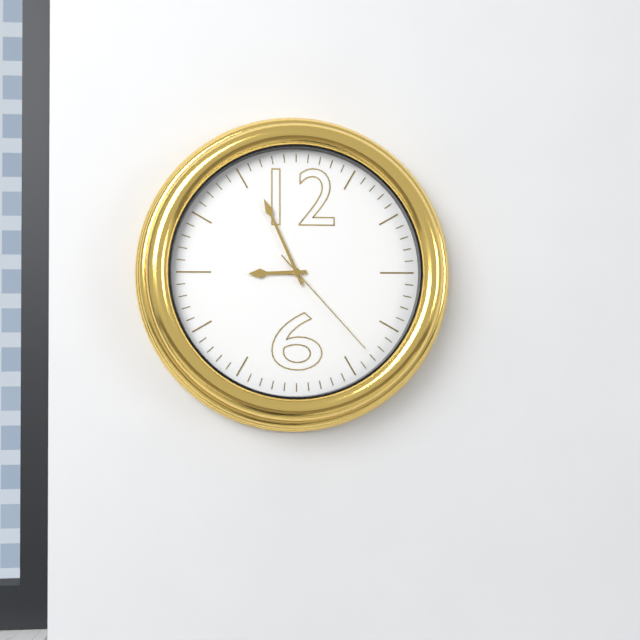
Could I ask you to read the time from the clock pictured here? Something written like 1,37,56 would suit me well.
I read 8,56,23
